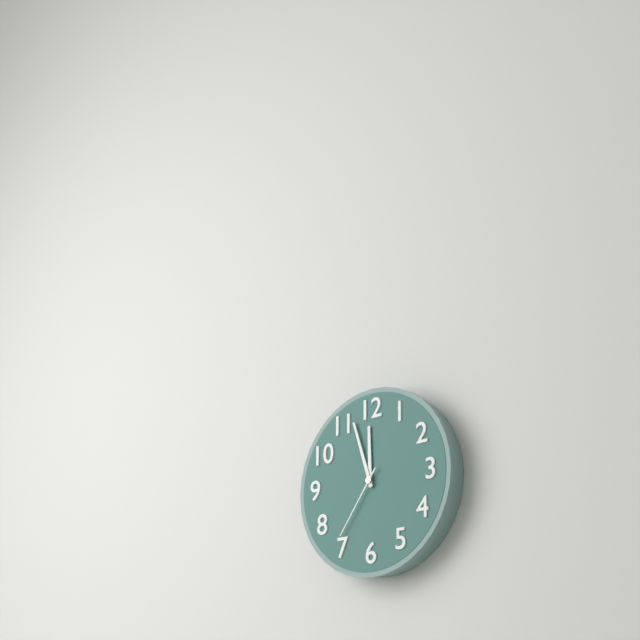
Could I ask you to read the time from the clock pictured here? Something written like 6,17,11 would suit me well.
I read 11,57,36
